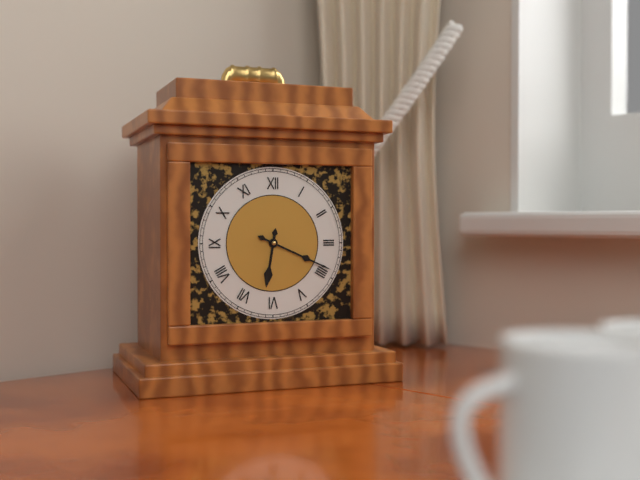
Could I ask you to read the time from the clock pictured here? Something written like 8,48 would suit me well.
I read 6,19
